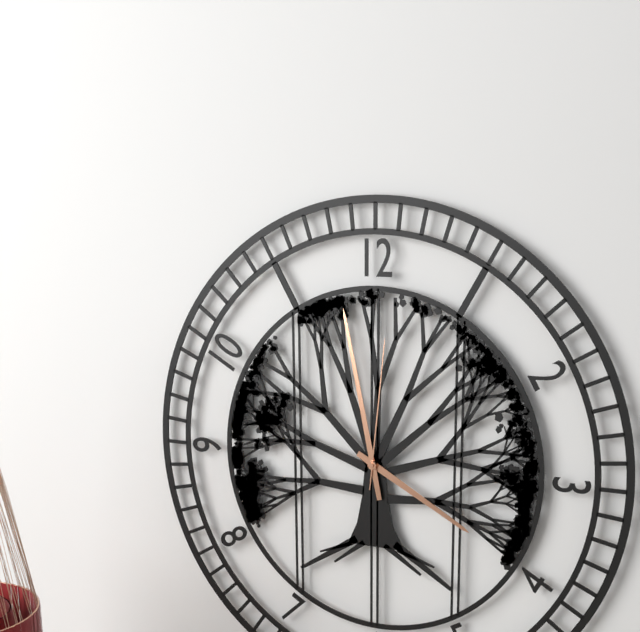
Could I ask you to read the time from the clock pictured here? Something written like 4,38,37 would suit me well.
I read 3,58,01
